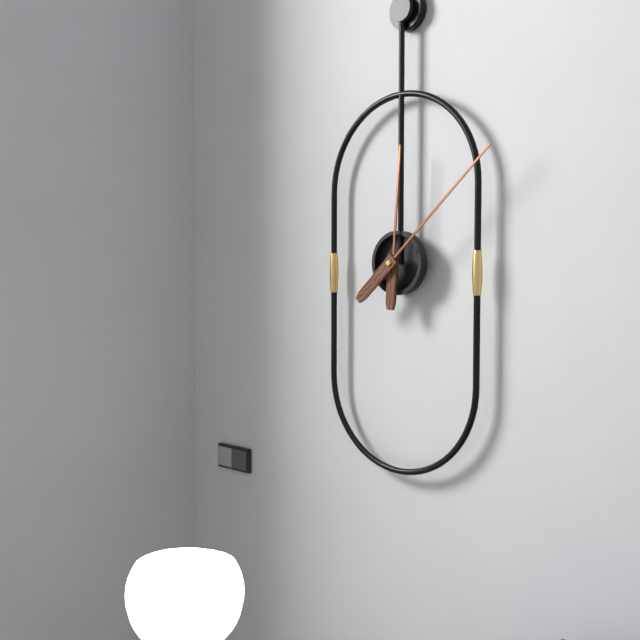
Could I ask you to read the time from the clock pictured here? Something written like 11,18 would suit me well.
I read 12,08
